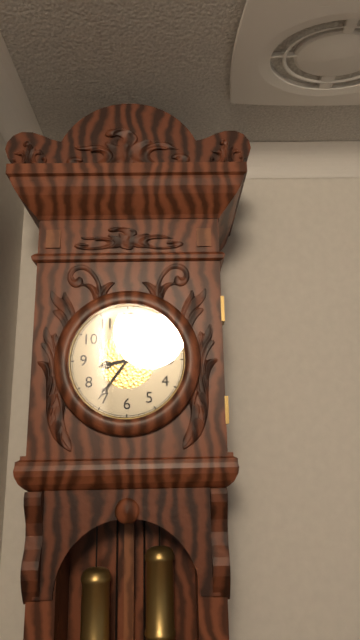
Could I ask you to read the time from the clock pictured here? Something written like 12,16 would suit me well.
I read 8,36
